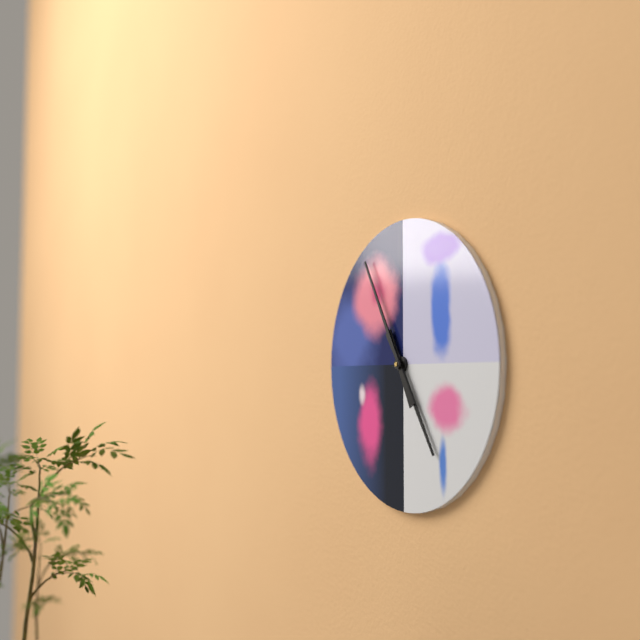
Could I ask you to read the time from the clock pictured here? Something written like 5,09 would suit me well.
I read 4,55
